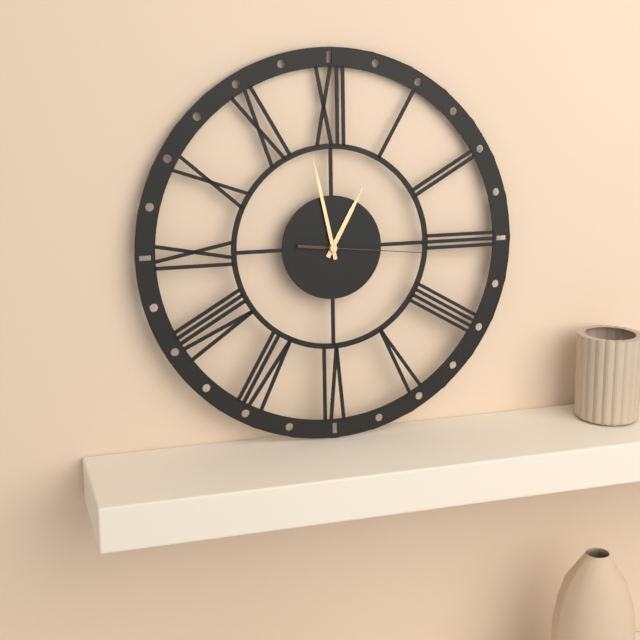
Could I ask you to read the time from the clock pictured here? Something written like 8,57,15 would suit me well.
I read 12,58,16
